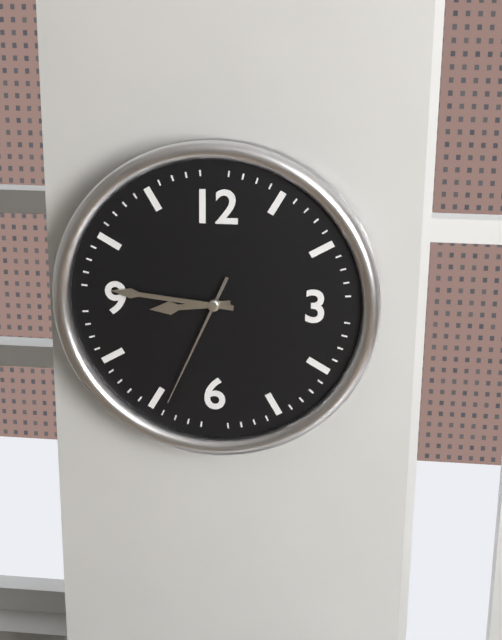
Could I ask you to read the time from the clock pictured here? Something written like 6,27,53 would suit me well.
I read 8,46,34
